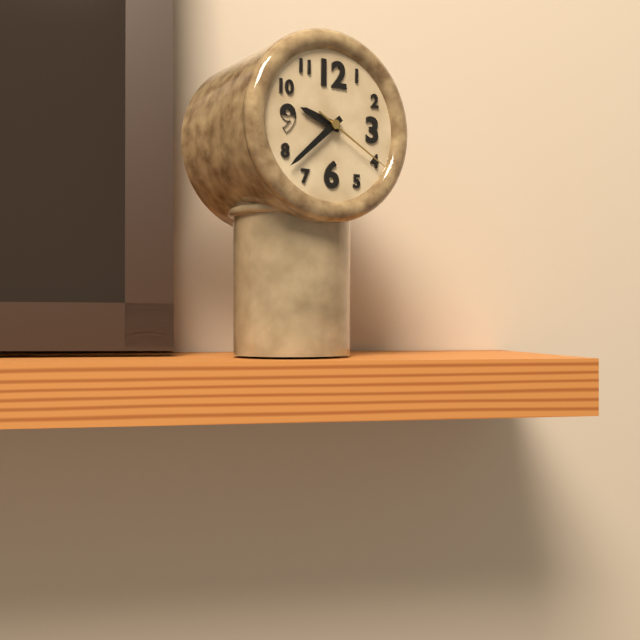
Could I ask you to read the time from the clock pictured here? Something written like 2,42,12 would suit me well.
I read 9,38,20
